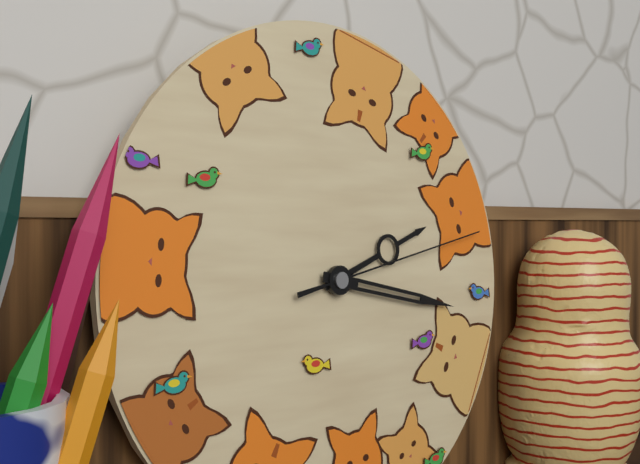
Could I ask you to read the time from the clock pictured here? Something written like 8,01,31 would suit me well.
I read 2,17,13
